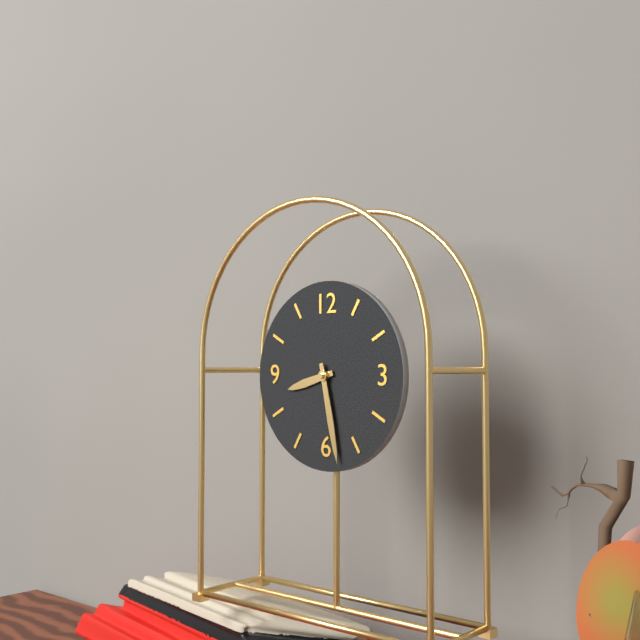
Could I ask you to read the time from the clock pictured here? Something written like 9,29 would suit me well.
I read 8,28
